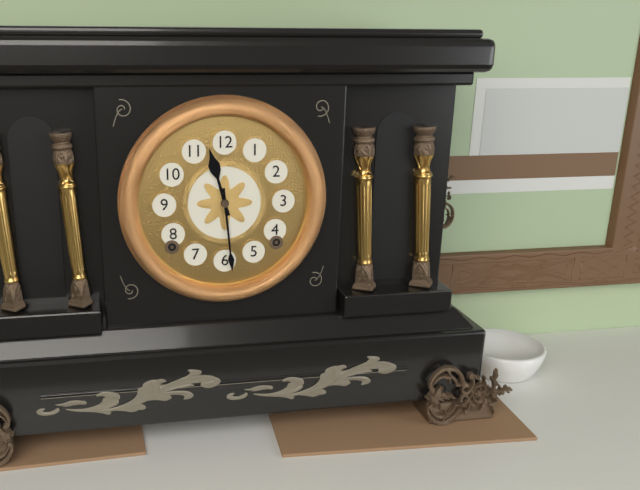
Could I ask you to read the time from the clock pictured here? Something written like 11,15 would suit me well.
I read 11,29
